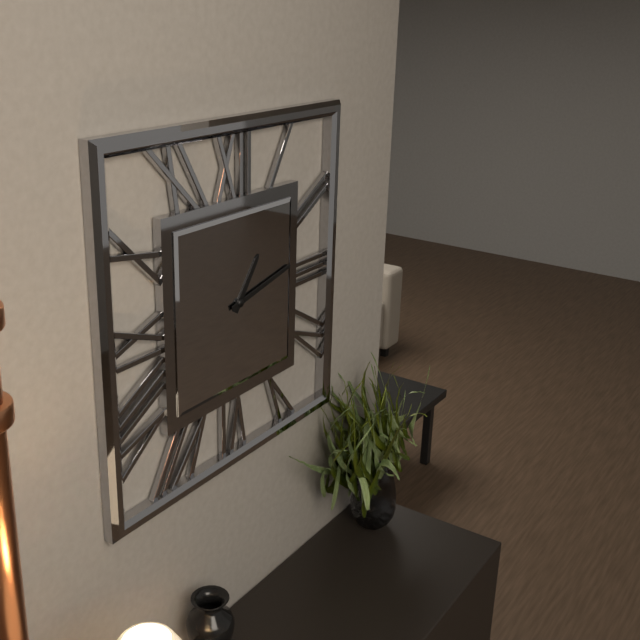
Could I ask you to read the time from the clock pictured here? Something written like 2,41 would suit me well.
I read 1,13
